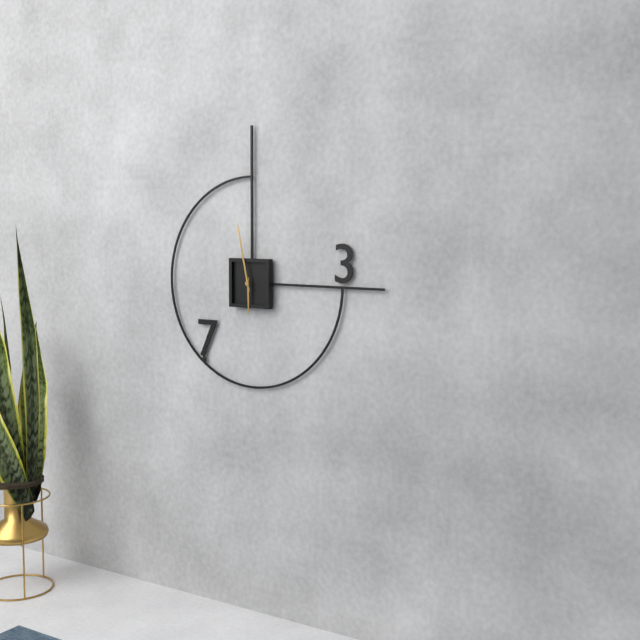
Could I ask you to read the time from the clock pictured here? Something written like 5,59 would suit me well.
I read 5,58
